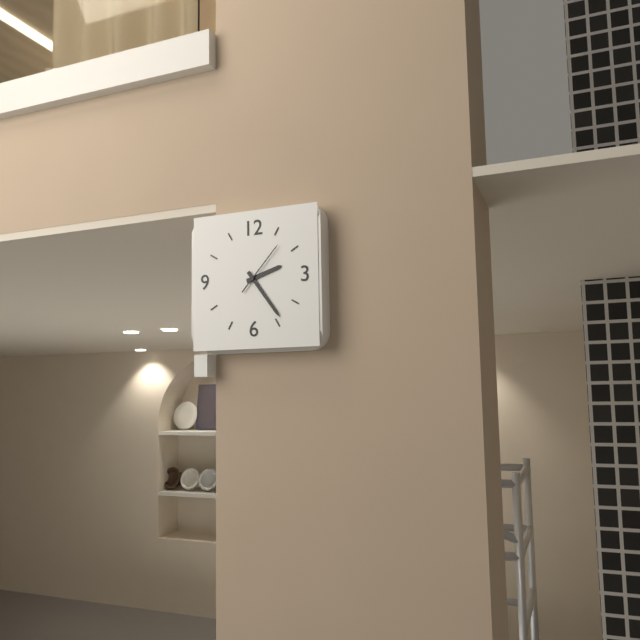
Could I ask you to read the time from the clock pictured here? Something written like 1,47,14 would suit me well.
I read 2,24,07
